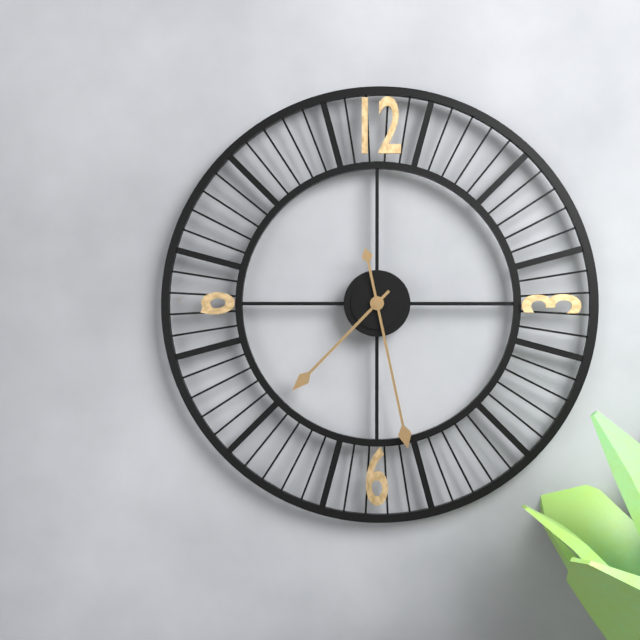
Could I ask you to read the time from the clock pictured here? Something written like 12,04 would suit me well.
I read 7,28
